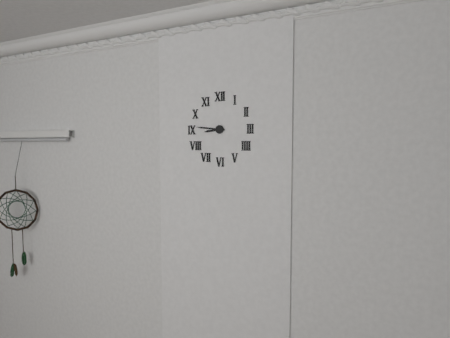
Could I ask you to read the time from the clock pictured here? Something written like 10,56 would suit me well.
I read 8,46
